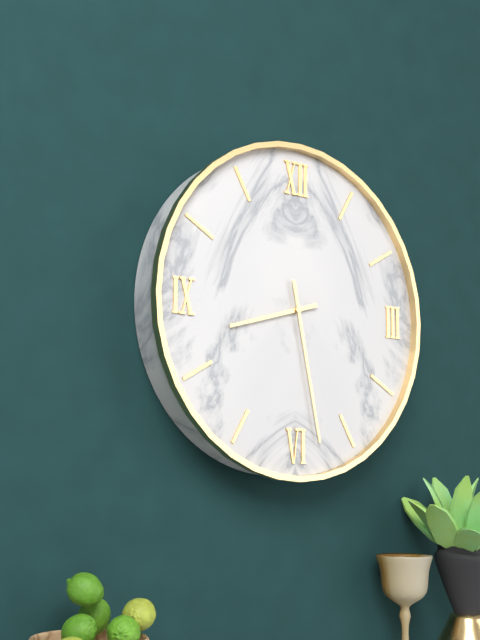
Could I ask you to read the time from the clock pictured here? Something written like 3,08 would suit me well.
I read 8,28
